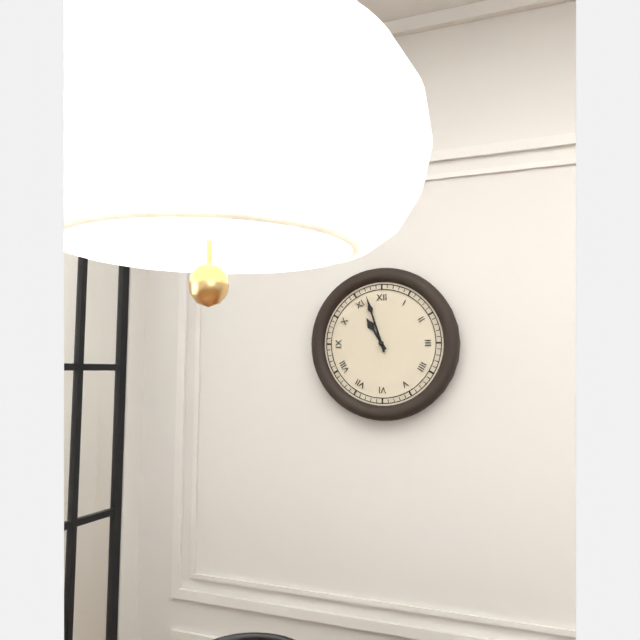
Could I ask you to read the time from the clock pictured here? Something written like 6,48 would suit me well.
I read 10,57
